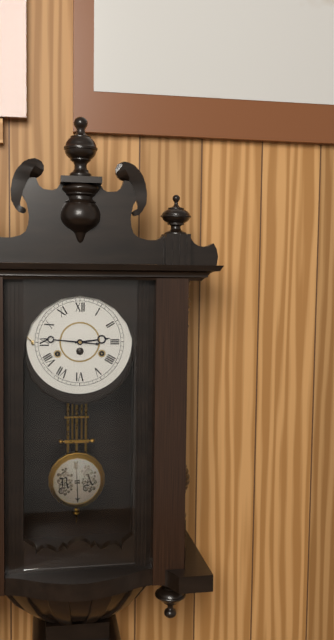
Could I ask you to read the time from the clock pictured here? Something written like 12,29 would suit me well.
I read 2,46
